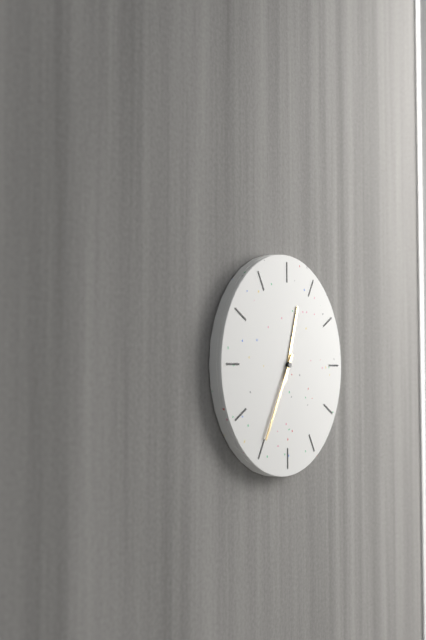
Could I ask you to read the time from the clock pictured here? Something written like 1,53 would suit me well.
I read 12,35
